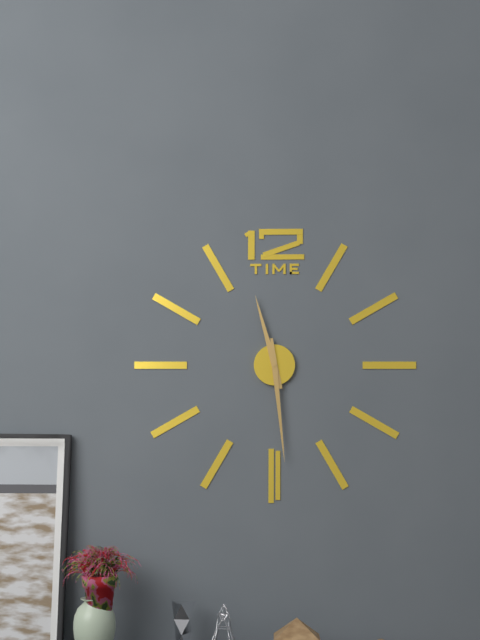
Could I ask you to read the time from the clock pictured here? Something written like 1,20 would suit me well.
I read 11,29
